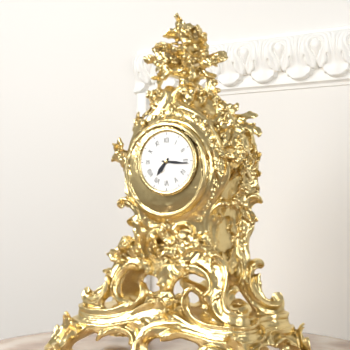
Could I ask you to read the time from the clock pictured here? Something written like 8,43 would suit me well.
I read 7,16
